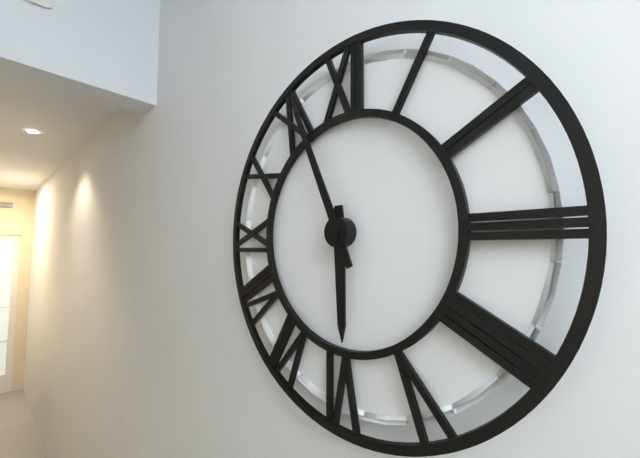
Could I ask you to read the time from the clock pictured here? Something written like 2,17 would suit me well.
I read 5,56
